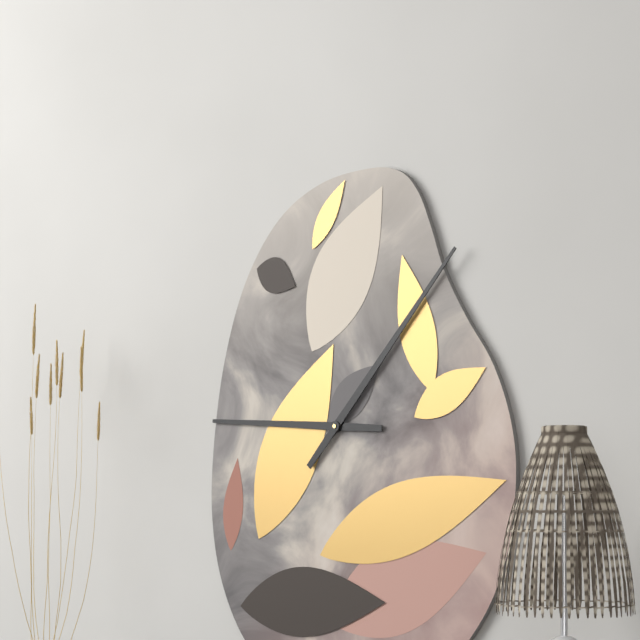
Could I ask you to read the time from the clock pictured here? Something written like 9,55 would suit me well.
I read 9,07
